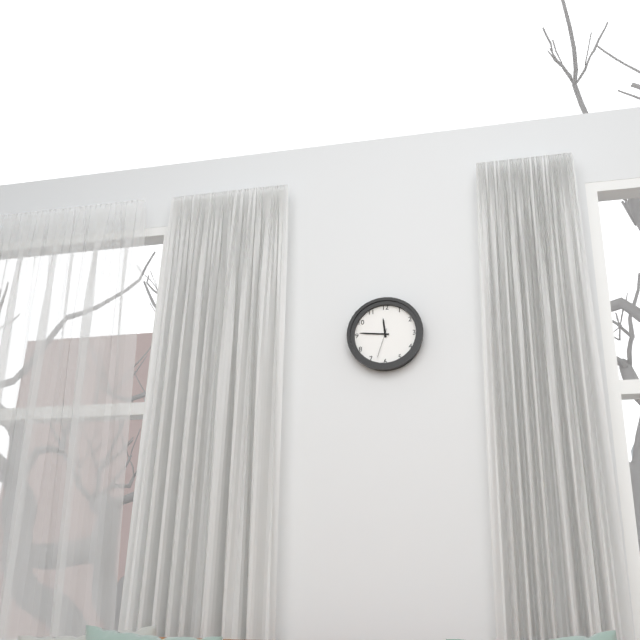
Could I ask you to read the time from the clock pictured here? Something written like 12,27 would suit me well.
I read 11,46
